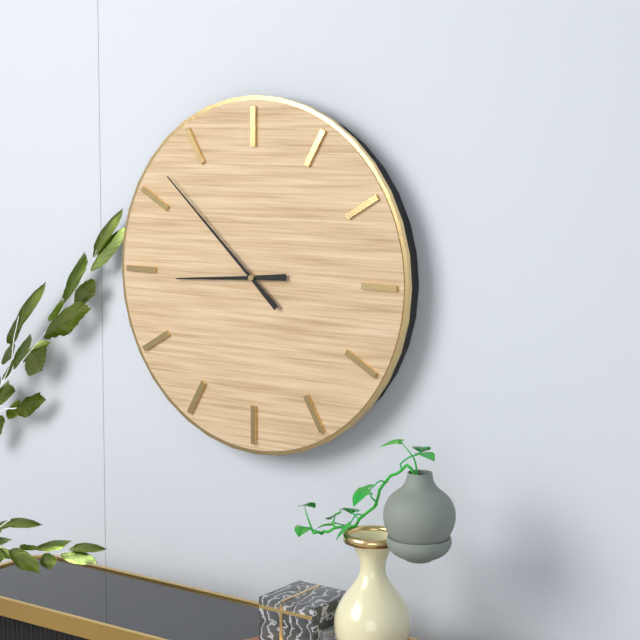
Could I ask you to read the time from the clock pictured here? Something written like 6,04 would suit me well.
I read 8,52
